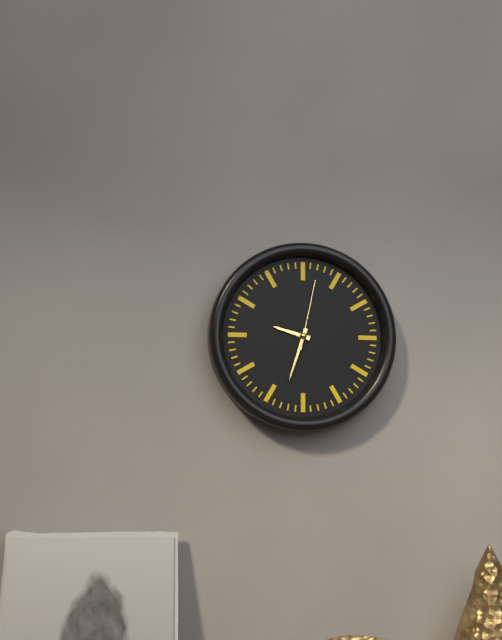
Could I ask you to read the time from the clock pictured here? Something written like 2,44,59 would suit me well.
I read 9,33,02
